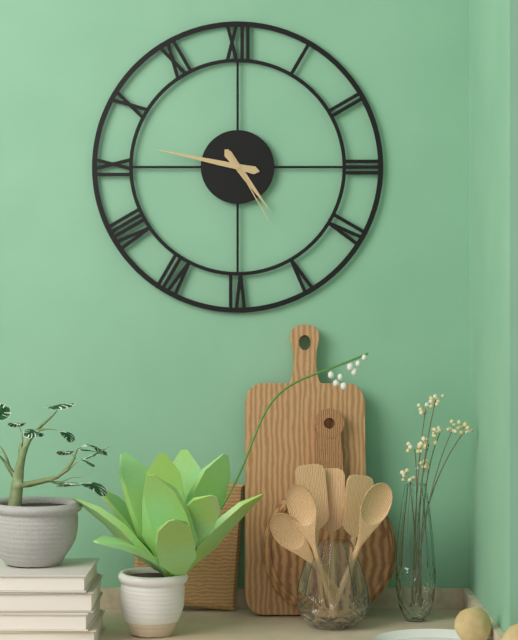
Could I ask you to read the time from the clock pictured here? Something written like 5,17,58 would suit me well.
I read 4,47,25
